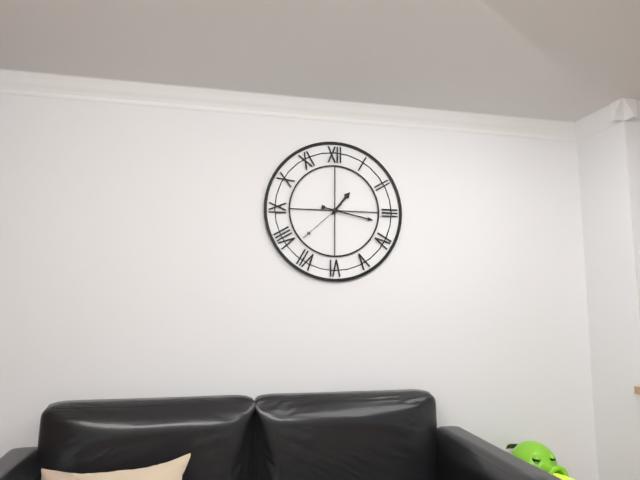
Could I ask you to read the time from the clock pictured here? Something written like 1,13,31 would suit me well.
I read 1,17,38
